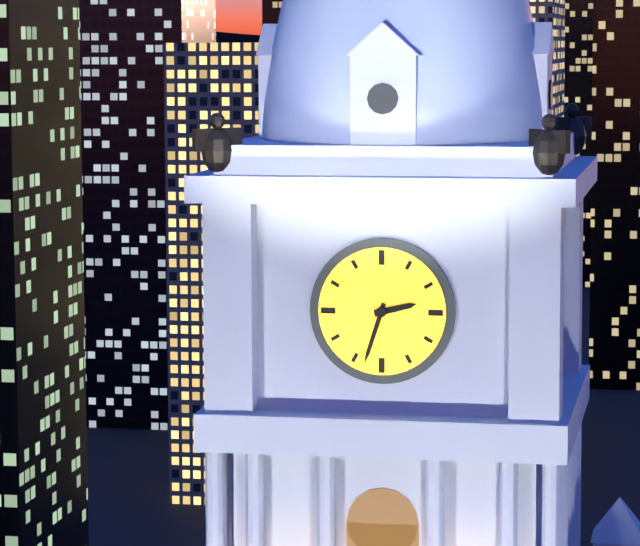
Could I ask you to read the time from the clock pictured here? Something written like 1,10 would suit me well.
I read 2,33
